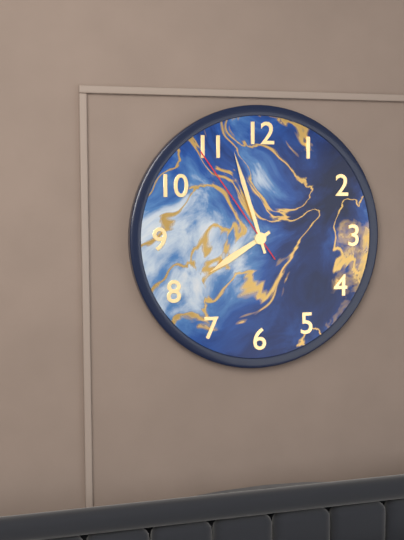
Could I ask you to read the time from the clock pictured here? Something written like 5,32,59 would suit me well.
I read 7,57,54
